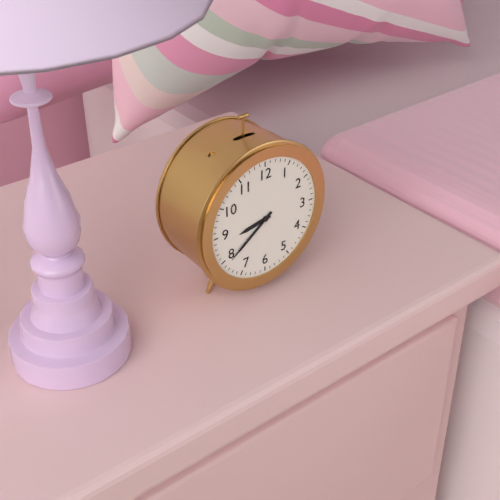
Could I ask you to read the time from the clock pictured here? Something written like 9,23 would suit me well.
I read 8,39
